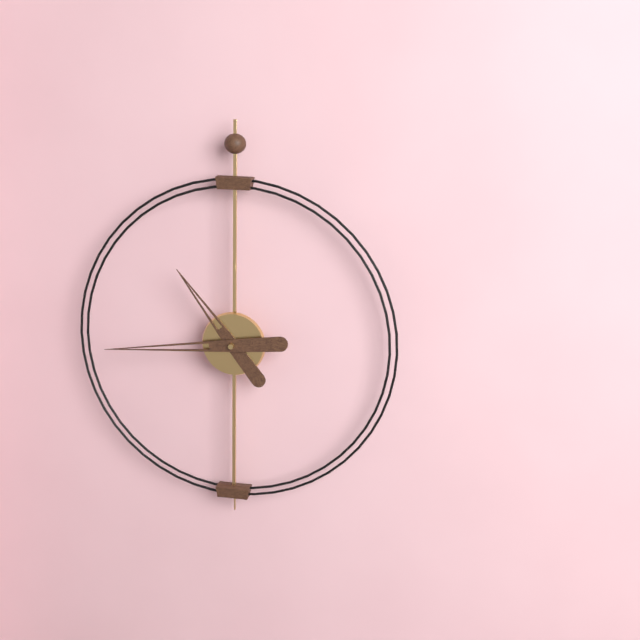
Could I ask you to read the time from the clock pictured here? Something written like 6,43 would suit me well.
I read 10,44
